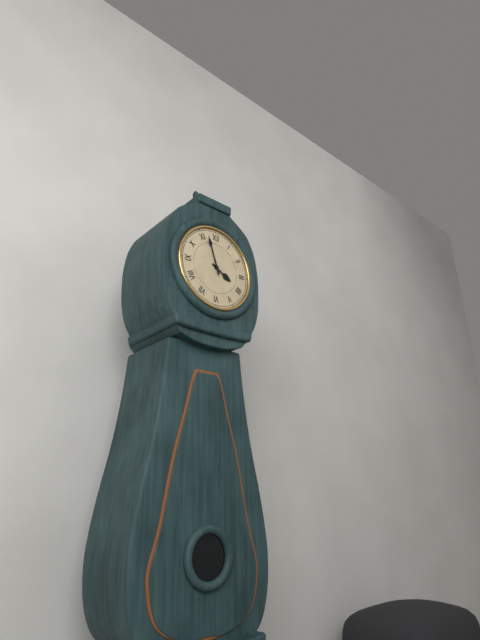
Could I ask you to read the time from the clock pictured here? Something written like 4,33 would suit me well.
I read 3,57
